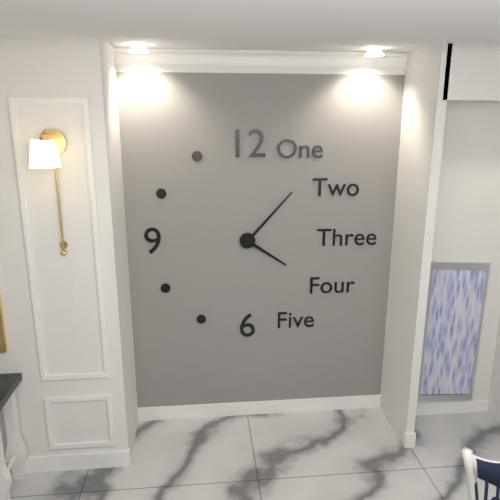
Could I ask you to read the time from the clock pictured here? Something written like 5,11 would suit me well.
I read 4,07
